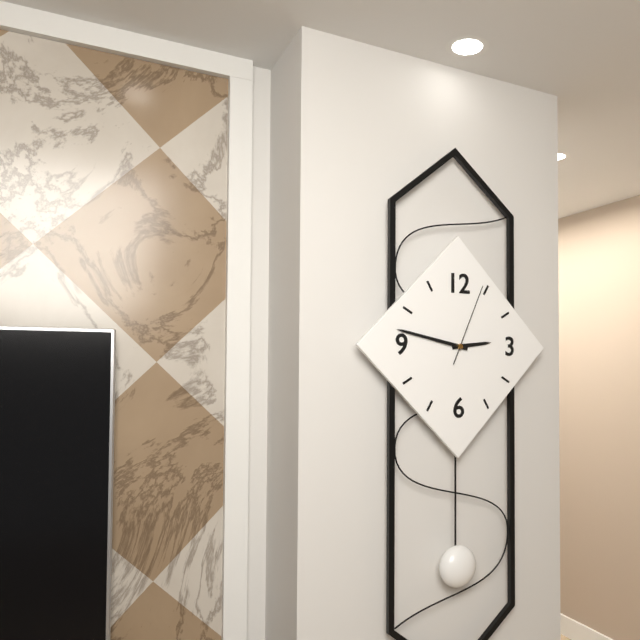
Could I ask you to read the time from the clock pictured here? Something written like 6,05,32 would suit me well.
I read 2,47,04
